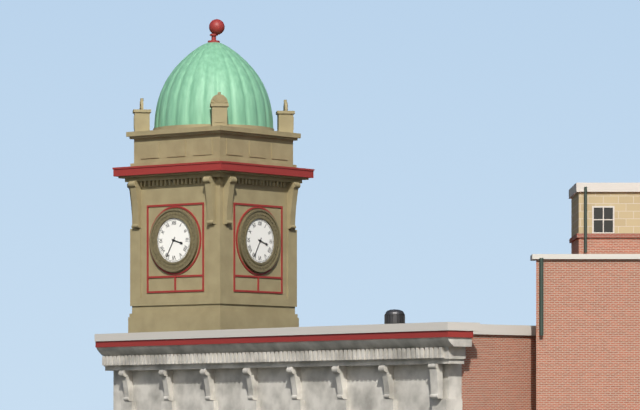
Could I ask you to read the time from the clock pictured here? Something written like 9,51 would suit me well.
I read 3,35
